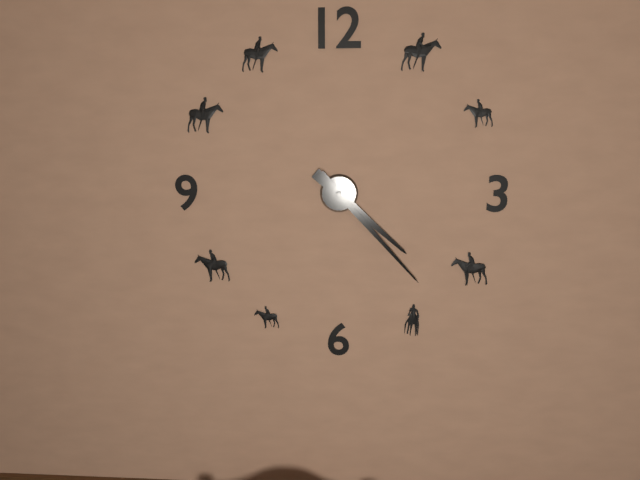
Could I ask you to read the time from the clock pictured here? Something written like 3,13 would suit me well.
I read 4,23
